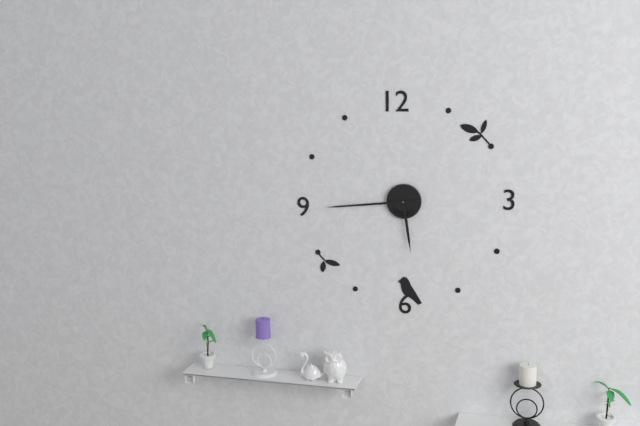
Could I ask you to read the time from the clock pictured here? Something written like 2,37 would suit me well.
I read 5,44
